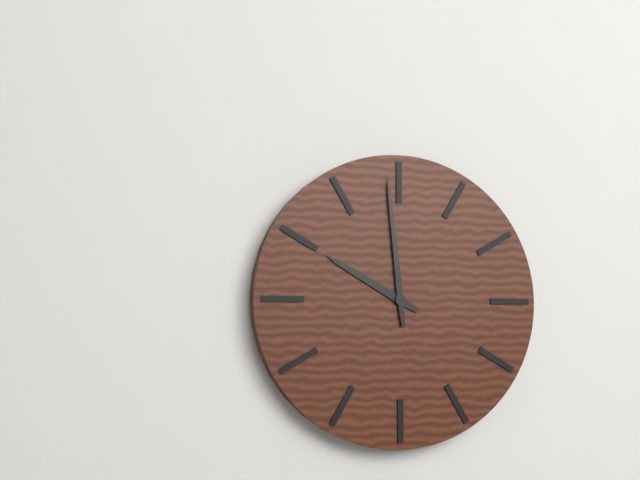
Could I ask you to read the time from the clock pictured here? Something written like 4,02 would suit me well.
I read 9,59
